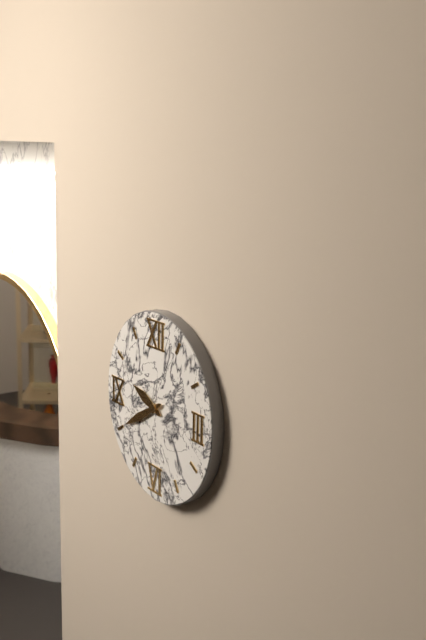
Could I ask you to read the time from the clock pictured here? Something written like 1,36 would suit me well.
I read 9,40
